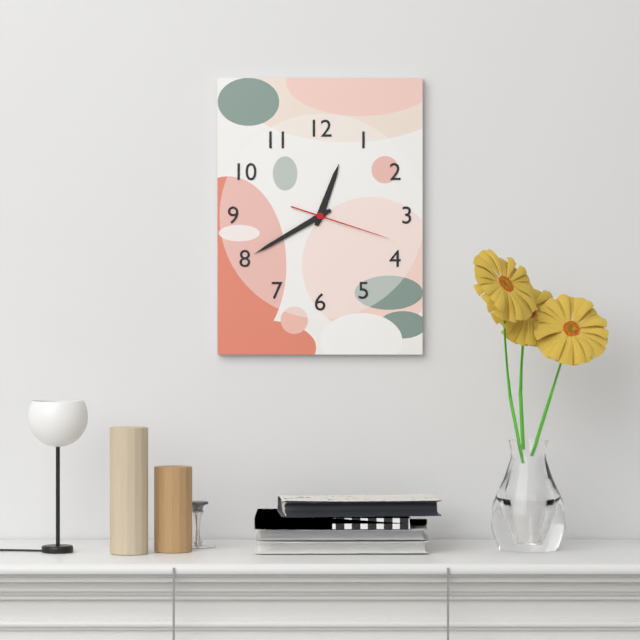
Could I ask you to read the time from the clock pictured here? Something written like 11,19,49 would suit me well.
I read 12,40,18
